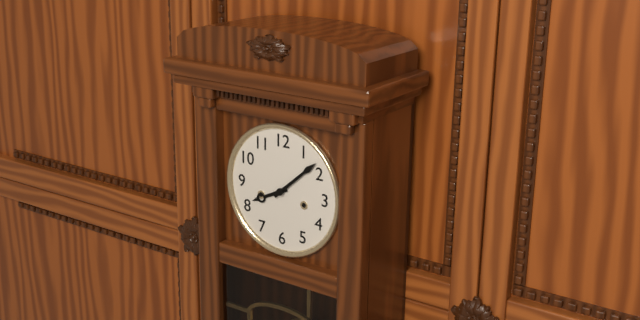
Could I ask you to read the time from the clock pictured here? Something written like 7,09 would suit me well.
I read 8,08
